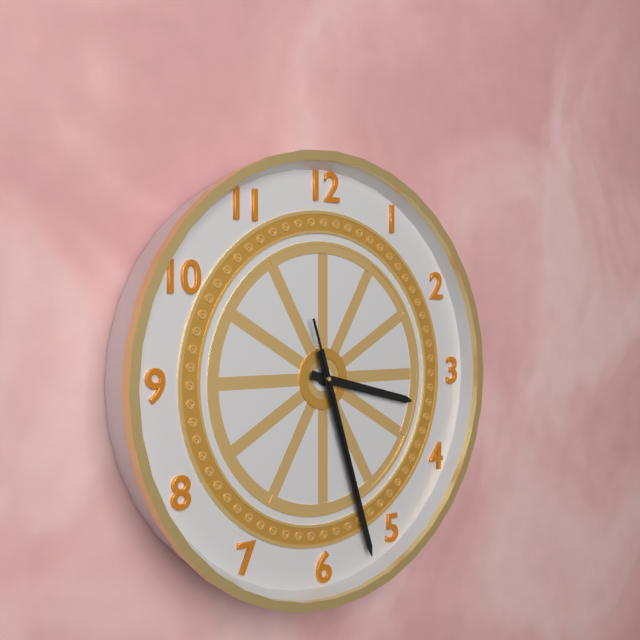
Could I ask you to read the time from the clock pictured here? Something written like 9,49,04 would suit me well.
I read 3,27,27
